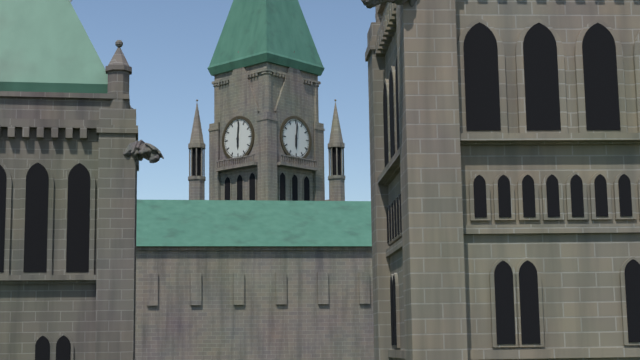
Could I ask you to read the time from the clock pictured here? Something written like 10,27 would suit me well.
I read 6,01
